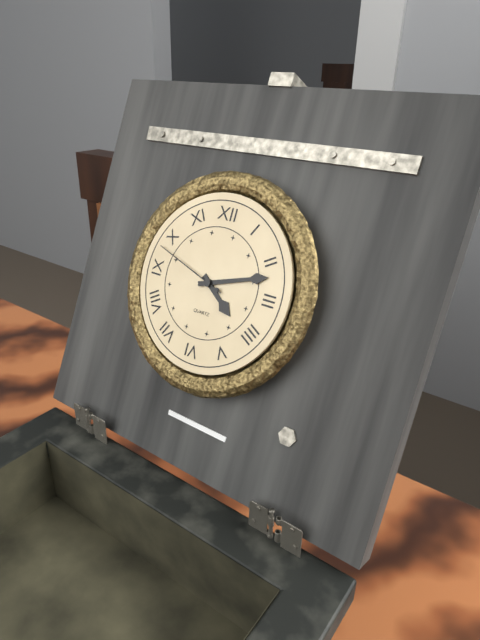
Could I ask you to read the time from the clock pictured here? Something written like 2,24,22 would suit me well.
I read 4,12,48
